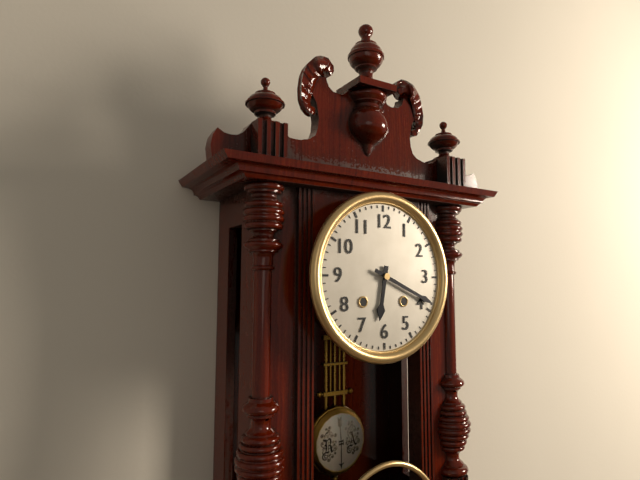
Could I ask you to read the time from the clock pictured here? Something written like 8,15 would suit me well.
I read 6,19
